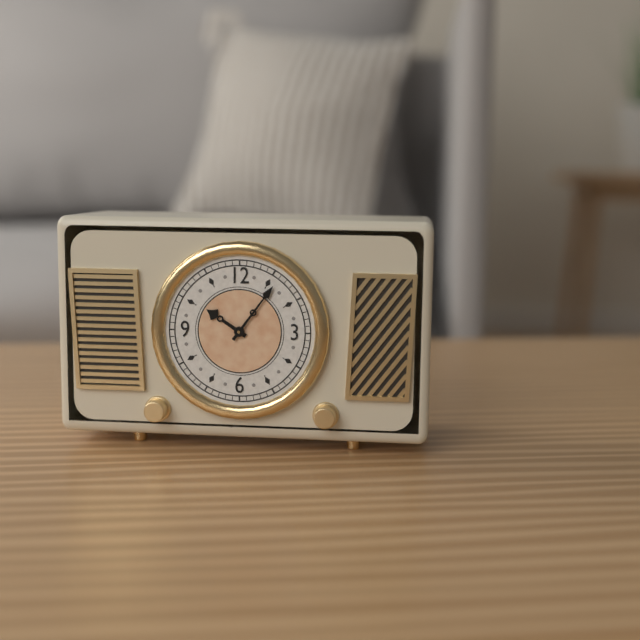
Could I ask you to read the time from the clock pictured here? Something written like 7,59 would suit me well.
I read 10,06
